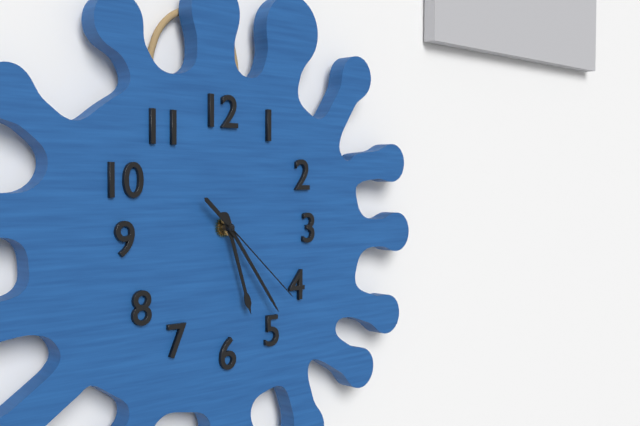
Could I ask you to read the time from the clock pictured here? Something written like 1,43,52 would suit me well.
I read 5,24,22
